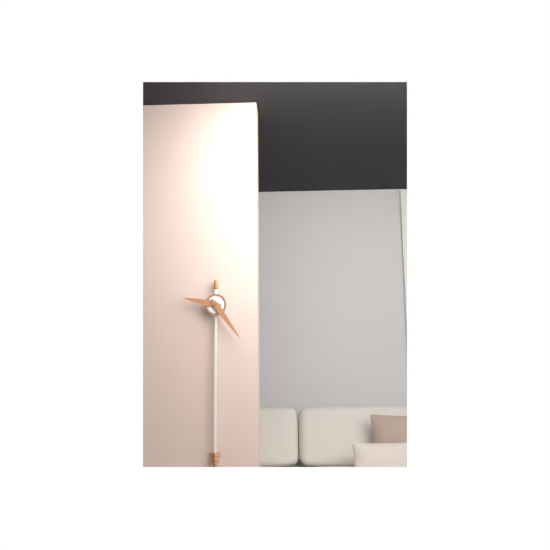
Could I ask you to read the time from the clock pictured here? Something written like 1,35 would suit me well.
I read 9,24
